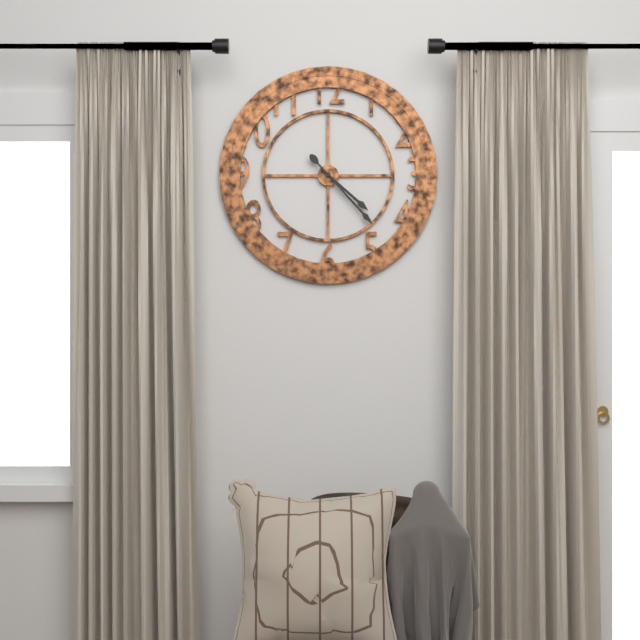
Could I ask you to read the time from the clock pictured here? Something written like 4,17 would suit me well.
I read 4,23
